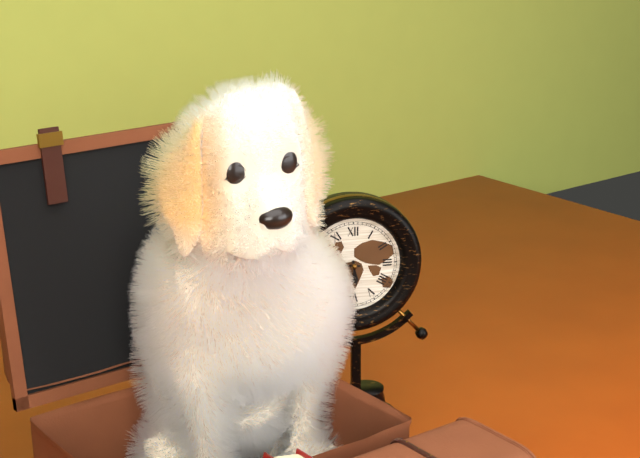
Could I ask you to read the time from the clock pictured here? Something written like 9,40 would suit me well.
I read 5,46
